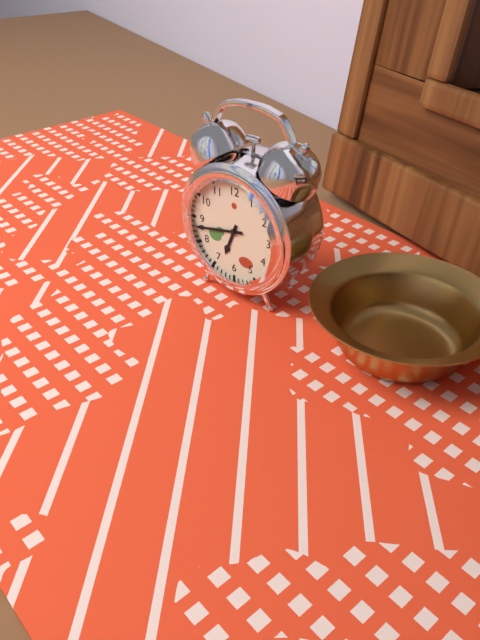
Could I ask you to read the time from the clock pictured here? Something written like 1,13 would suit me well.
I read 6,43
